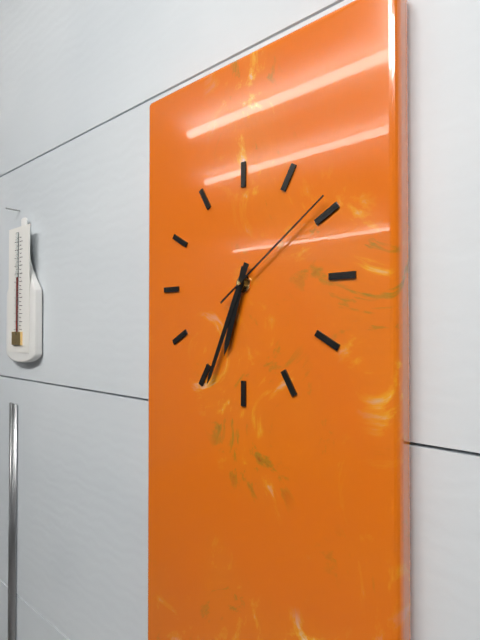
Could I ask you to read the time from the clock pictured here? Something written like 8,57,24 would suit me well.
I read 6,34,09
